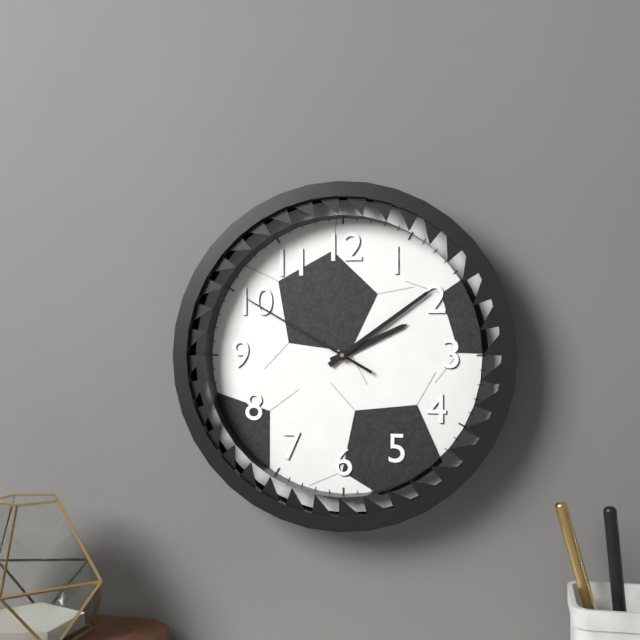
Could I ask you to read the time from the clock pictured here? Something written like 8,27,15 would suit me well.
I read 2,09,50
